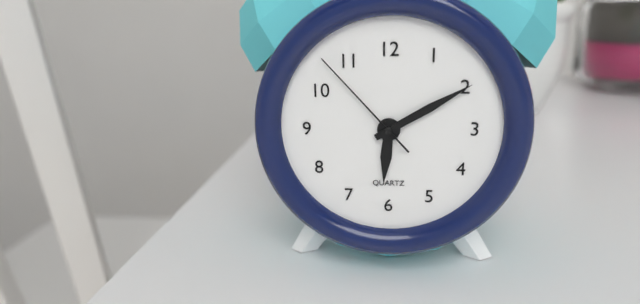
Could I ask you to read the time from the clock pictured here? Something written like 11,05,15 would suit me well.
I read 6,10,53
